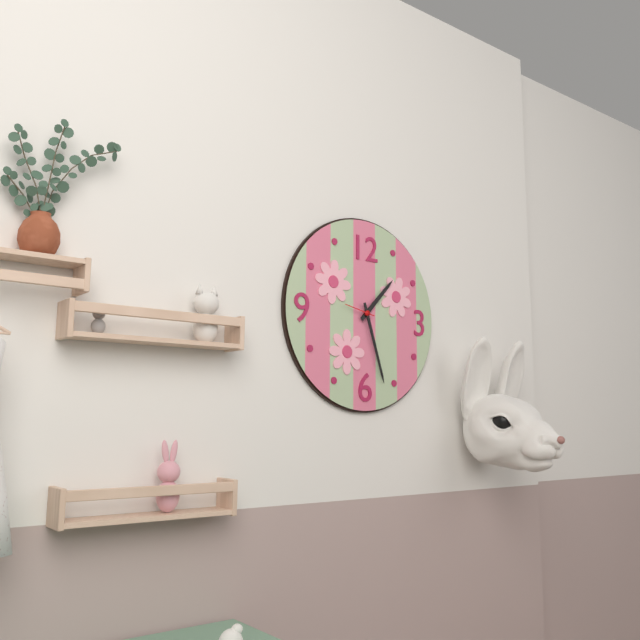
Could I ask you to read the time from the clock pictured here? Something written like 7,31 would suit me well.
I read 1,27
